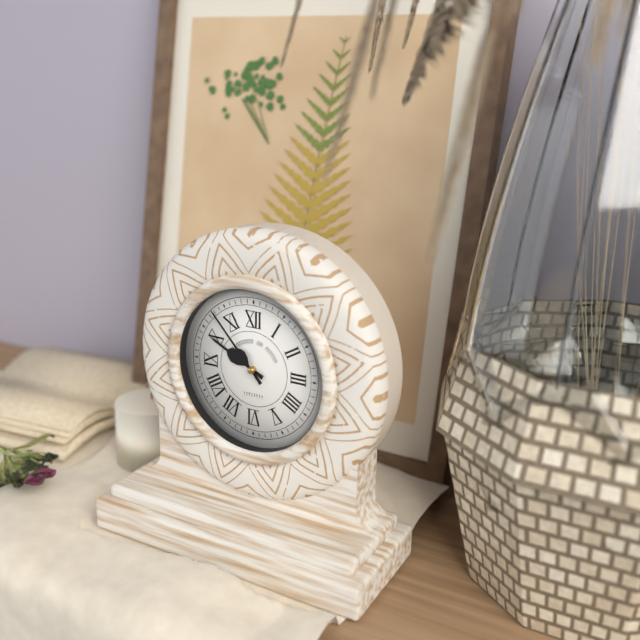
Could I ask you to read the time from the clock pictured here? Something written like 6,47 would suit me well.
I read 9,53
